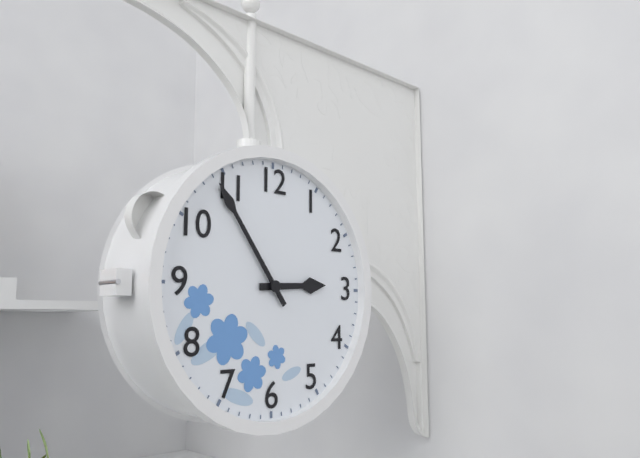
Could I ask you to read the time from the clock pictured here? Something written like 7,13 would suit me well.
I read 2,54
